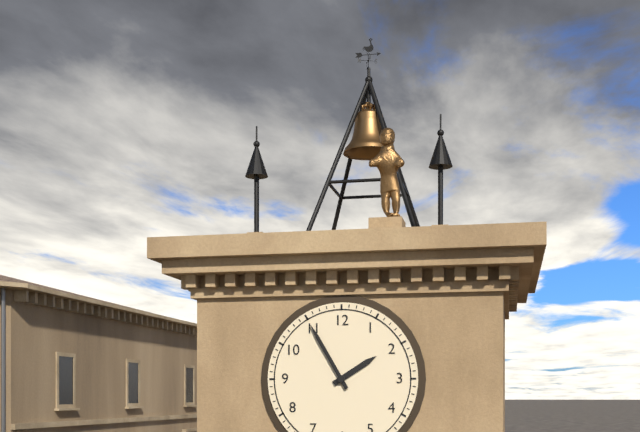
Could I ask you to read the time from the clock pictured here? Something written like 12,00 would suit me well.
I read 1,55
